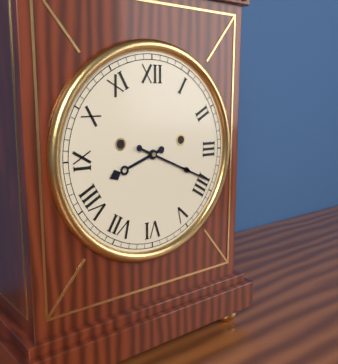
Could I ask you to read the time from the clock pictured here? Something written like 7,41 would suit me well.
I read 8,19
